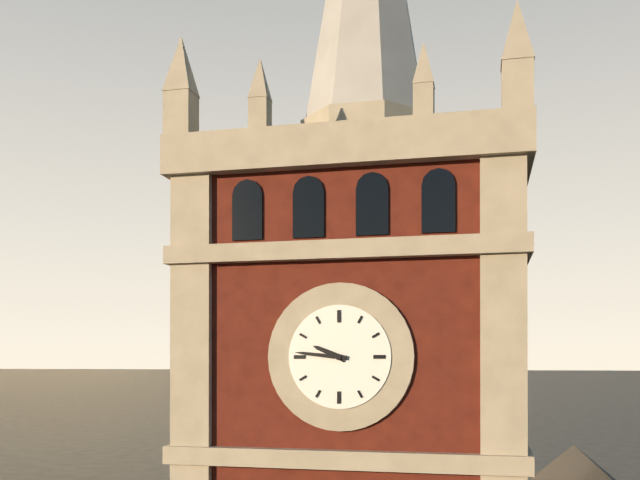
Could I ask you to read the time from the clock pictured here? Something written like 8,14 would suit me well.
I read 9,46
